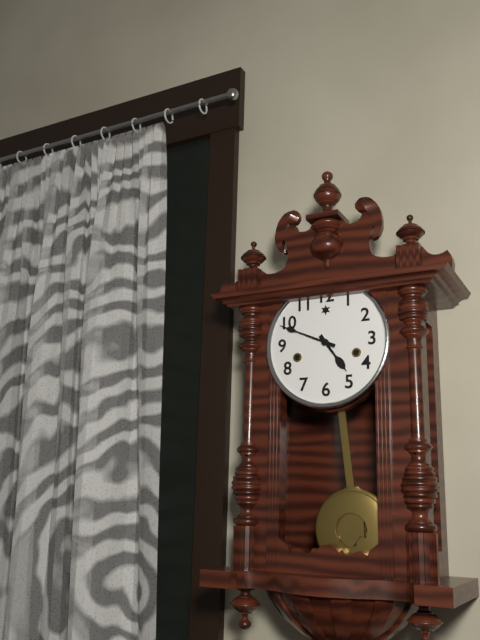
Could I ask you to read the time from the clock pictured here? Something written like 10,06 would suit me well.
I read 4,49
